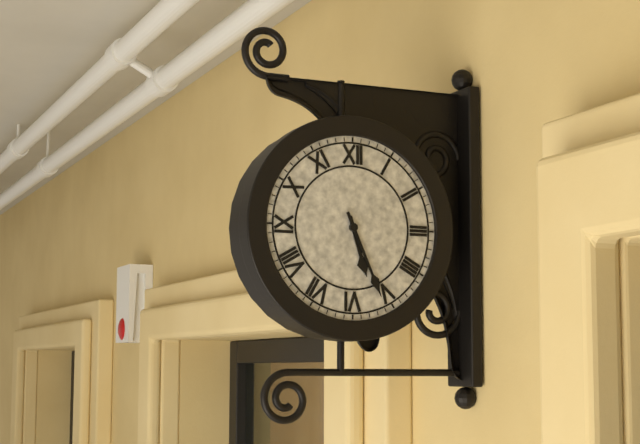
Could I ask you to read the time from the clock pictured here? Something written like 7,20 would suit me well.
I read 5,26
